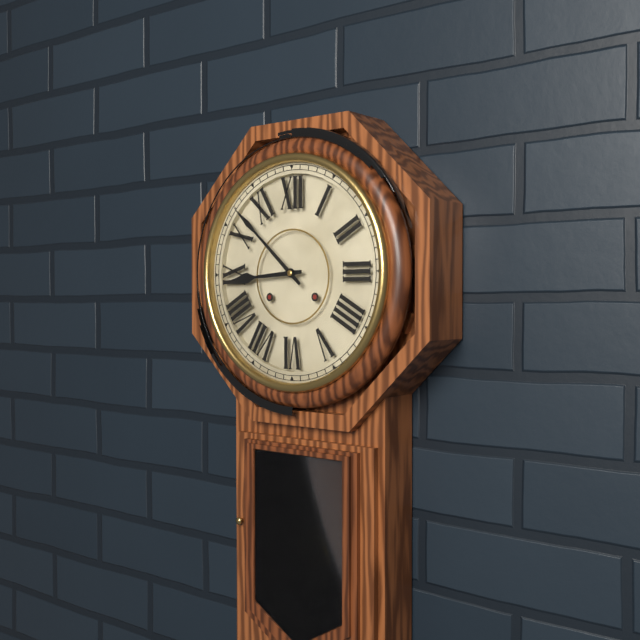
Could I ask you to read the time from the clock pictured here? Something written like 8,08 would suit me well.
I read 8,52
